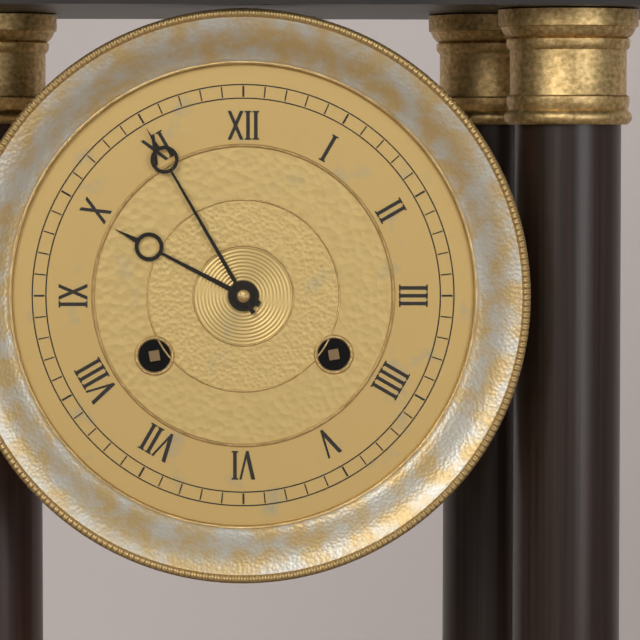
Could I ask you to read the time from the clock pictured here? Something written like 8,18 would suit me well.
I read 9,55
